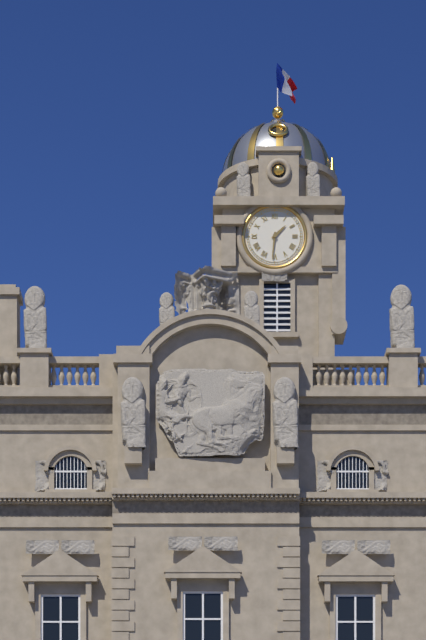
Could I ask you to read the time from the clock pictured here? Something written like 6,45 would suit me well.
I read 1,31
